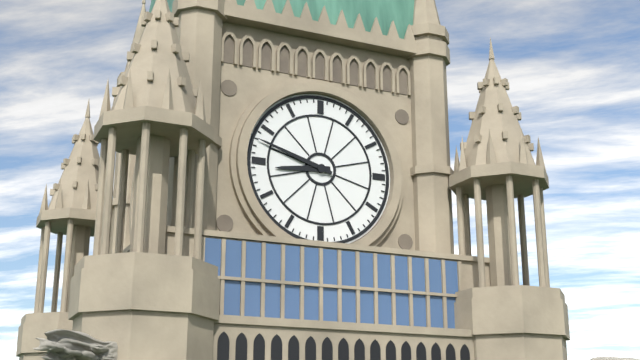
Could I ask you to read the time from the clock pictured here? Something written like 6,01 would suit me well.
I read 8,48
